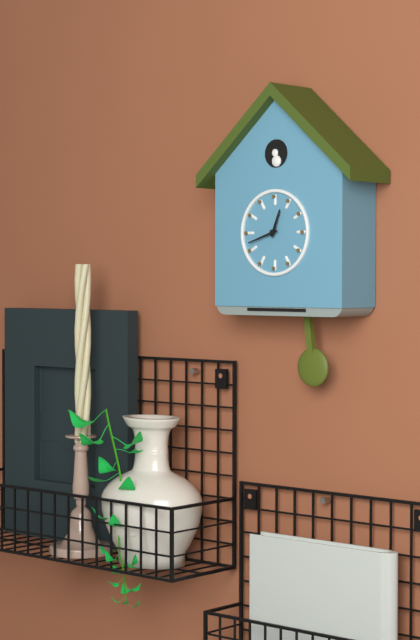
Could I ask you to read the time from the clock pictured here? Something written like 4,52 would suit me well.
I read 12,42
